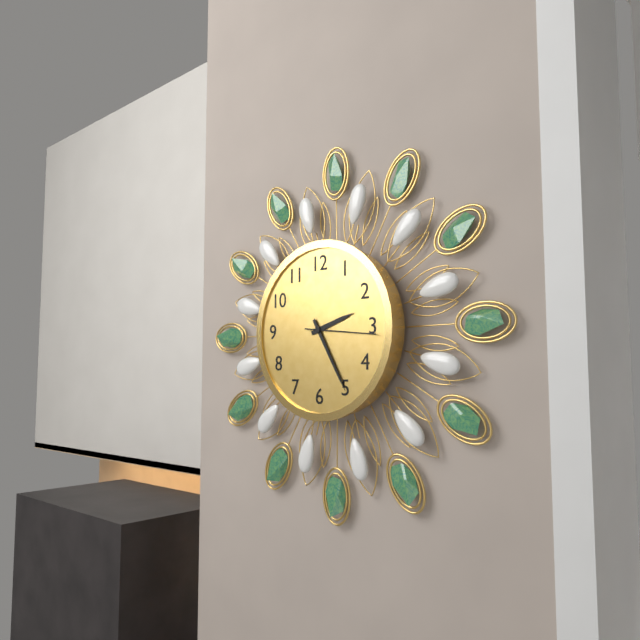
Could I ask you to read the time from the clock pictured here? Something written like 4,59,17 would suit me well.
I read 2,25,16
